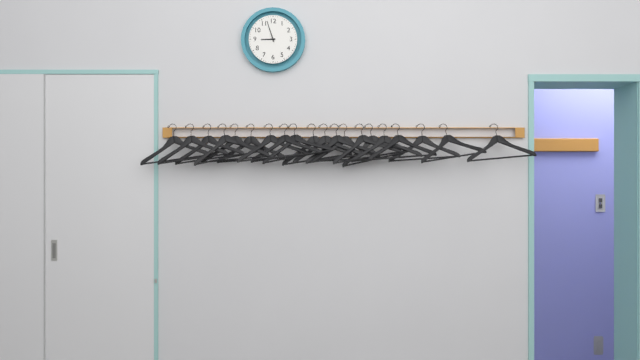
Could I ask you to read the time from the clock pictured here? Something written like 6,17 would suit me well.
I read 8,57
